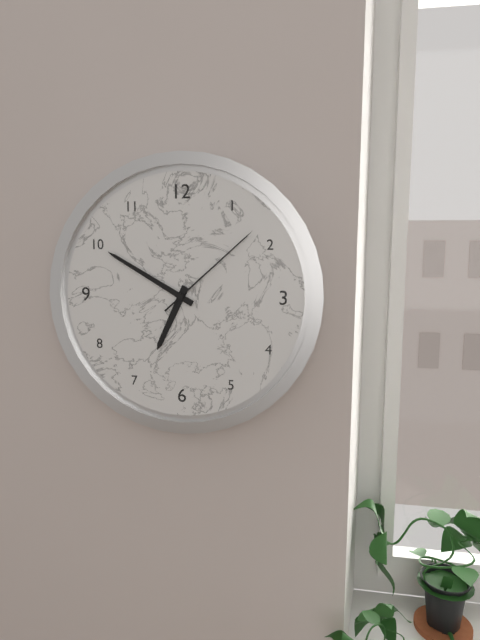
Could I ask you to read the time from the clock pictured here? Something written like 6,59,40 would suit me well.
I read 6,50,08
